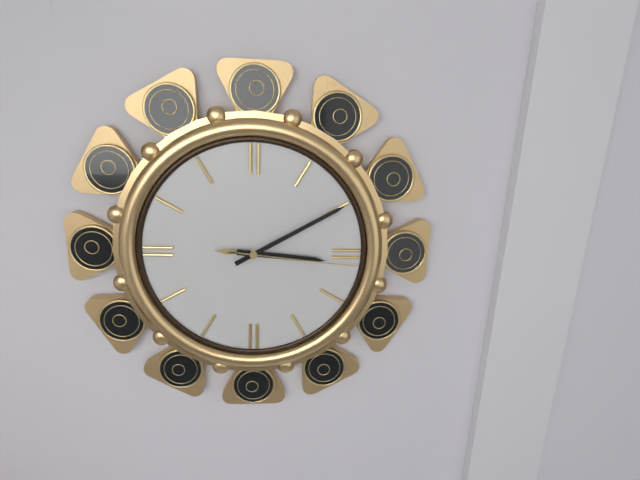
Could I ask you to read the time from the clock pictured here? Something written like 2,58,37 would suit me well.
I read 3,10,16
